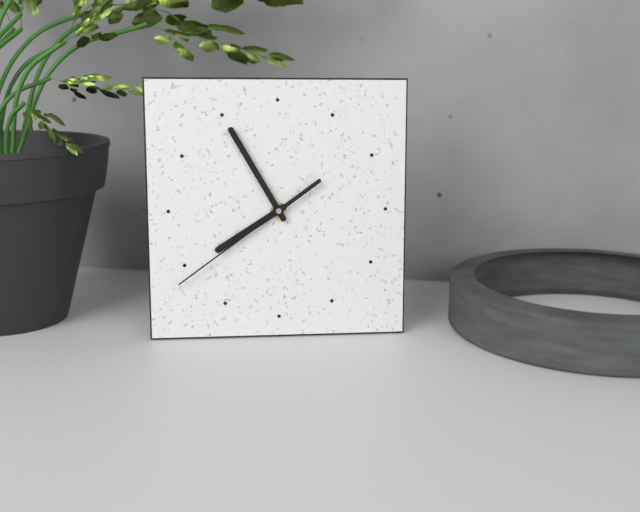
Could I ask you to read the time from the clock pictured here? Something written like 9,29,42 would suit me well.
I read 7,55,39
